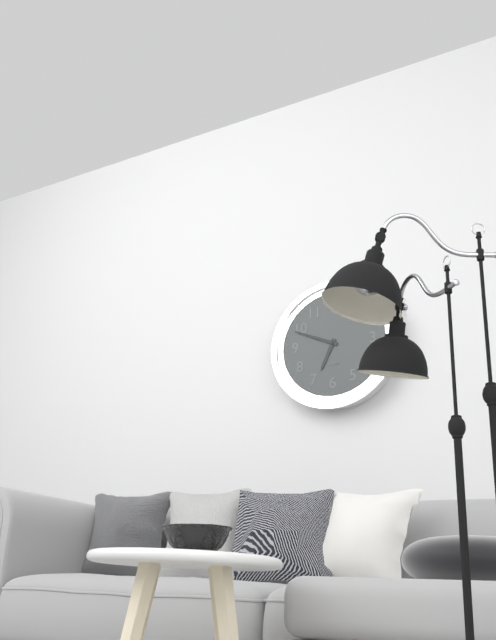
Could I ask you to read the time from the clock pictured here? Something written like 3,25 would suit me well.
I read 6,49
